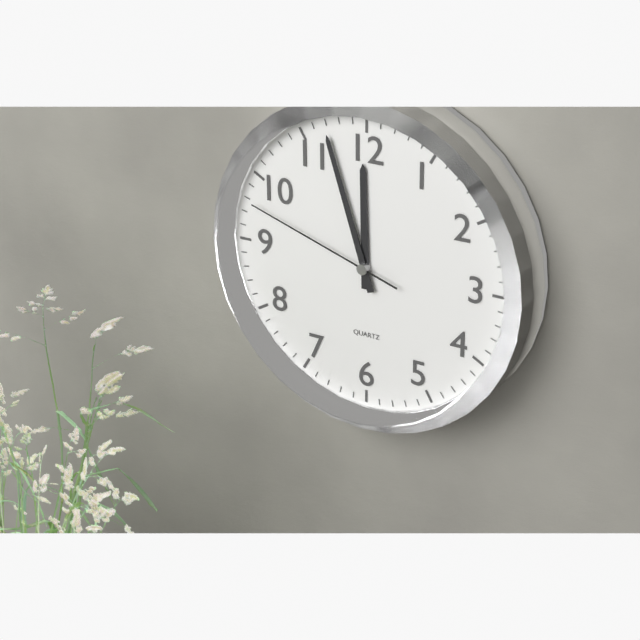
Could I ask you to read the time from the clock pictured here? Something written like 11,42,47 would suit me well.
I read 11,57,48
